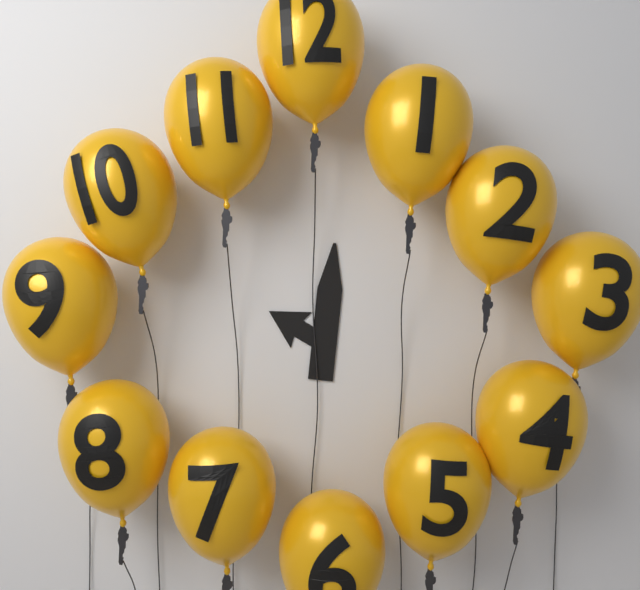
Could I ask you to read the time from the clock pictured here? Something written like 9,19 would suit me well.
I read 10,01
